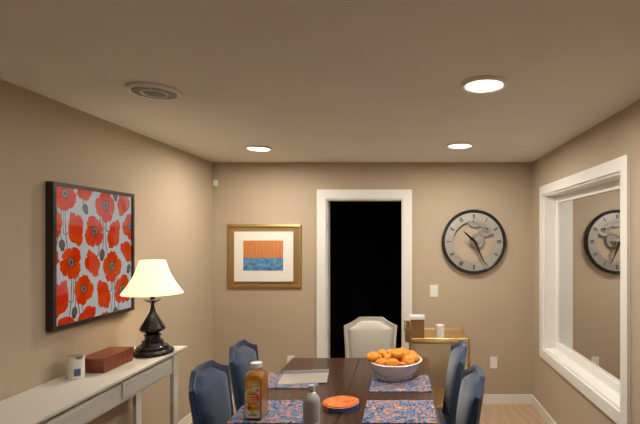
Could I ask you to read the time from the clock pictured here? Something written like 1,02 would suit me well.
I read 10,26
